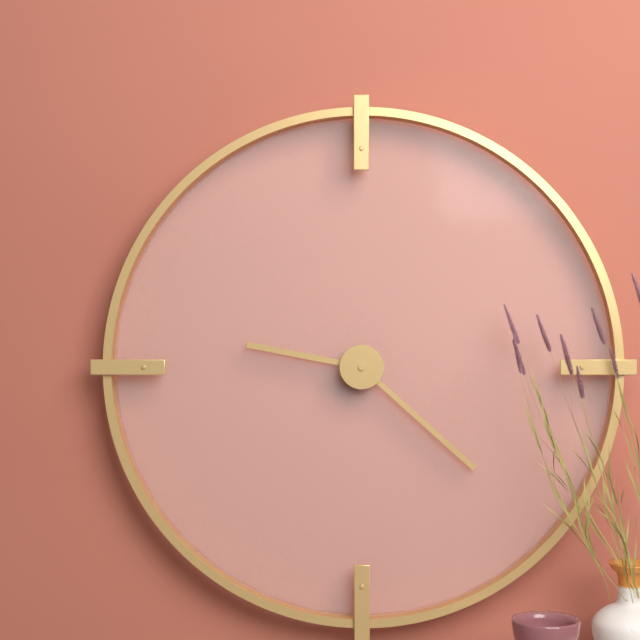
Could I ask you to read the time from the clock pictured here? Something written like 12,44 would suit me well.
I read 9,22
